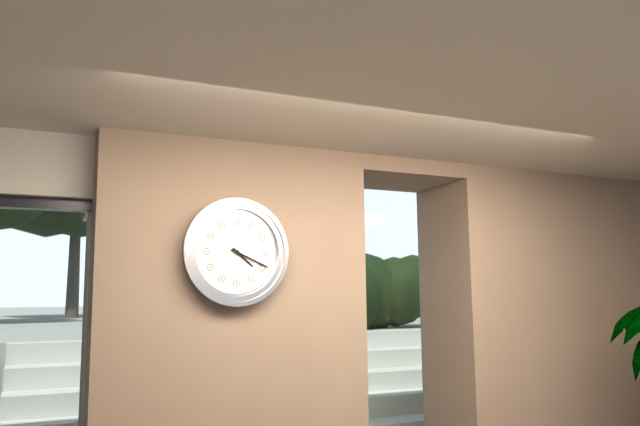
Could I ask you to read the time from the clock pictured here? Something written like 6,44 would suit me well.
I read 4,19
